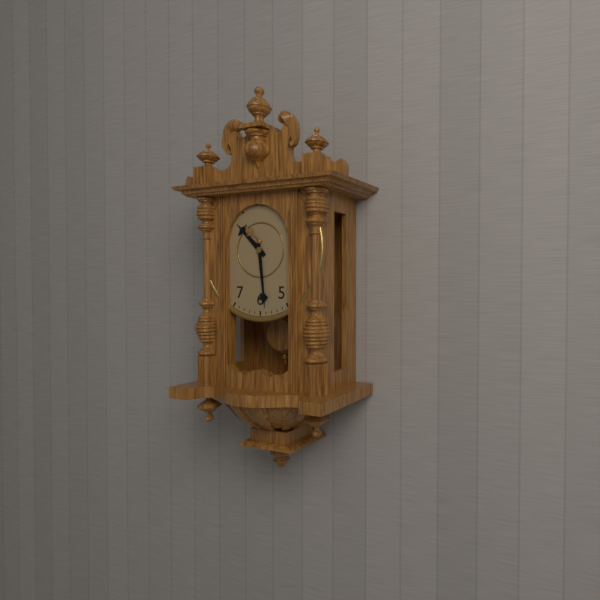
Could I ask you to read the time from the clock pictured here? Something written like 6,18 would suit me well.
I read 10,29
